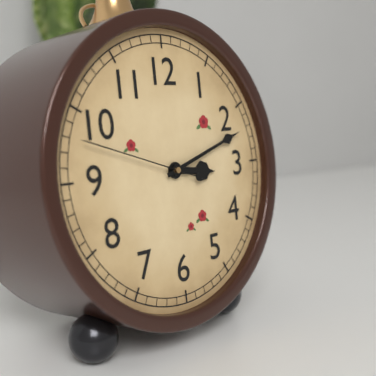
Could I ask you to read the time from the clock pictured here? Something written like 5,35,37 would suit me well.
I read 3,12,48
